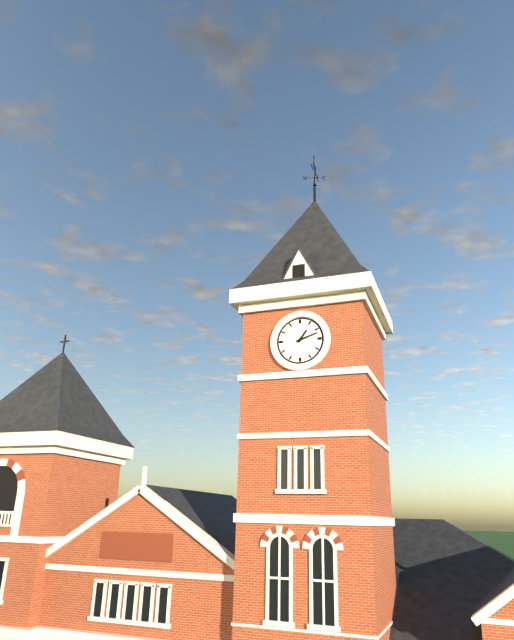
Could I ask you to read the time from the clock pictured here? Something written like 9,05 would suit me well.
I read 1,12
